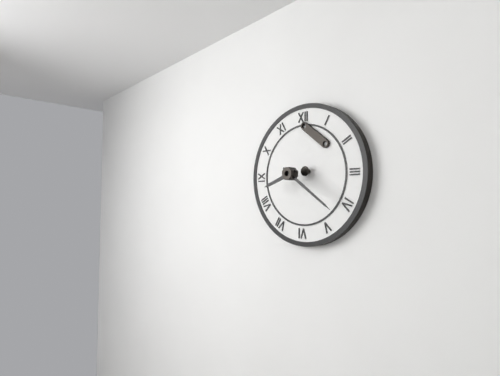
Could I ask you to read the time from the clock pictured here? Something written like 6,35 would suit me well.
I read 8,21
